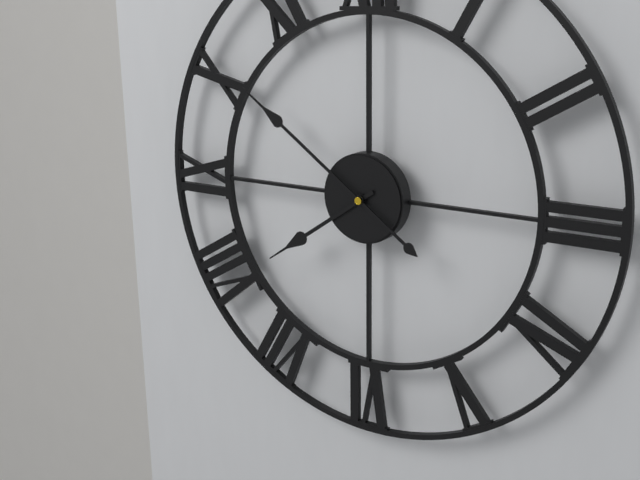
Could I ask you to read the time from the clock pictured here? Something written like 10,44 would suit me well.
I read 7,51
